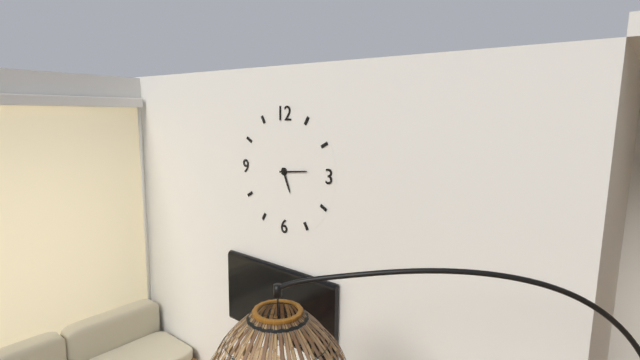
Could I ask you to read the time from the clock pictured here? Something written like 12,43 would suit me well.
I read 5,14
